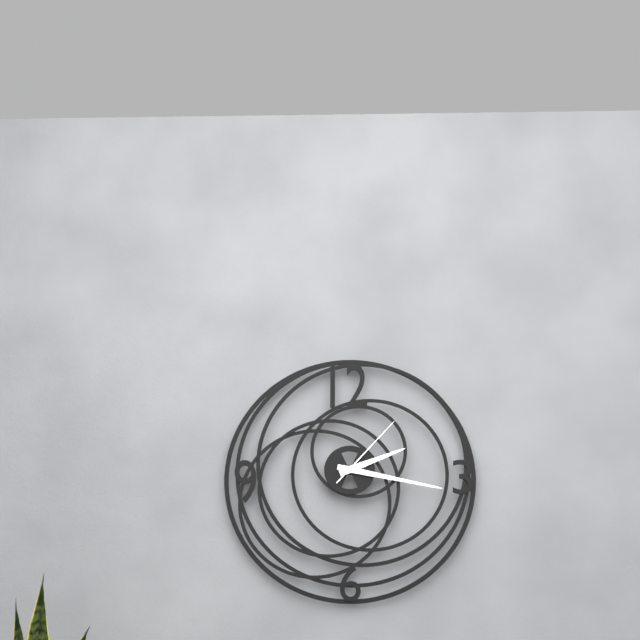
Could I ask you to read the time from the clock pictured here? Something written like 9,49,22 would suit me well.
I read 2,17,07
